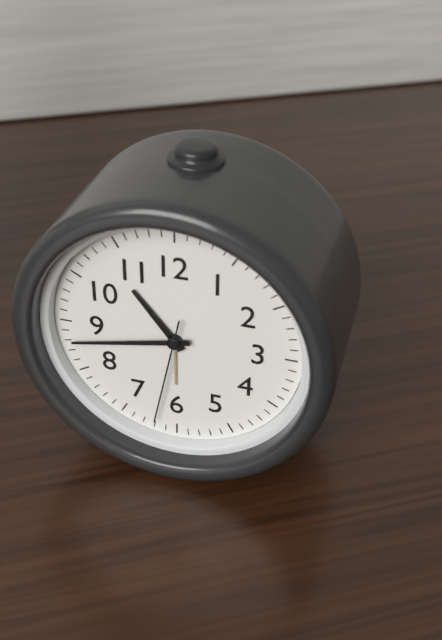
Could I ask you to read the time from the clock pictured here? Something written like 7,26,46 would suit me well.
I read 10,43,32
